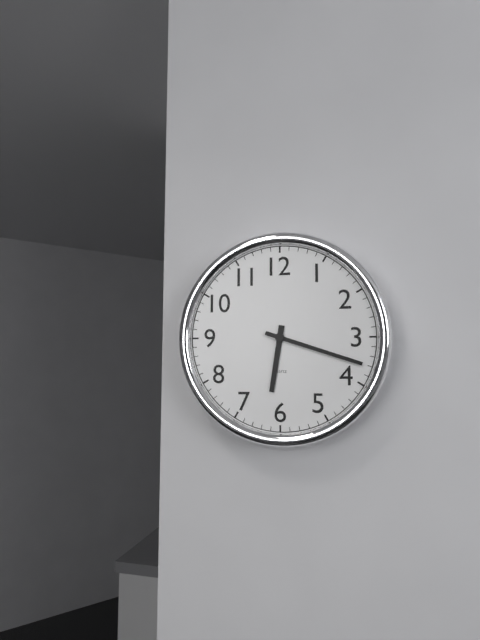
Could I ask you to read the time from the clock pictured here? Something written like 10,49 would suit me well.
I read 6,18
